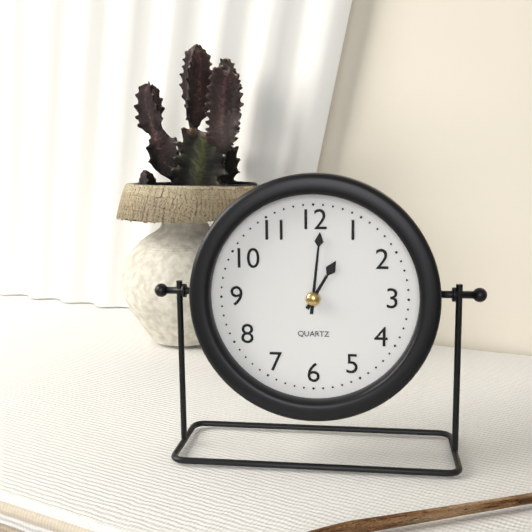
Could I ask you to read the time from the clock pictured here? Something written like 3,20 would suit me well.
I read 1,01
